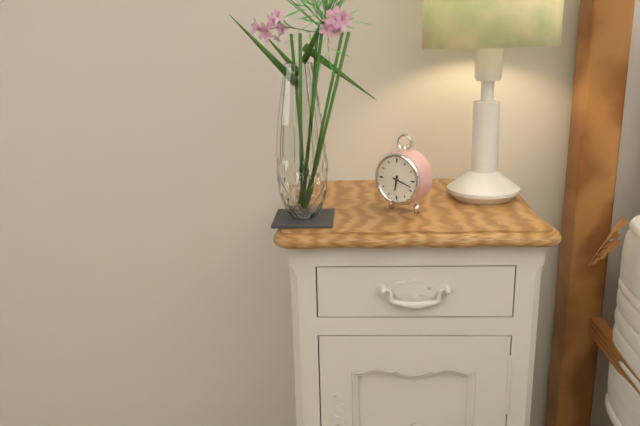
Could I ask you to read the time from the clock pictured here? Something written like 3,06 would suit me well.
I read 6,18
